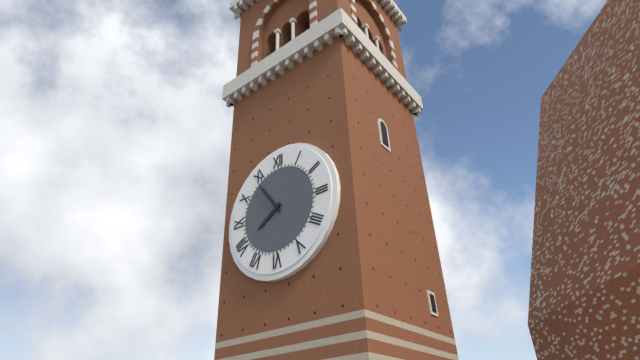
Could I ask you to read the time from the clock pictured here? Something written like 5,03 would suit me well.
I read 7,54
